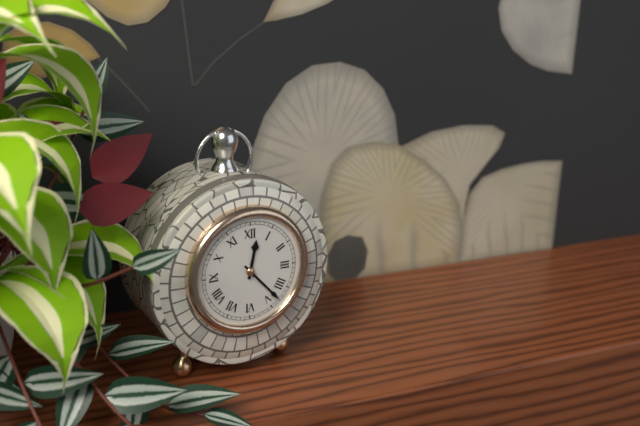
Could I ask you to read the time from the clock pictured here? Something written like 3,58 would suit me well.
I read 12,23
